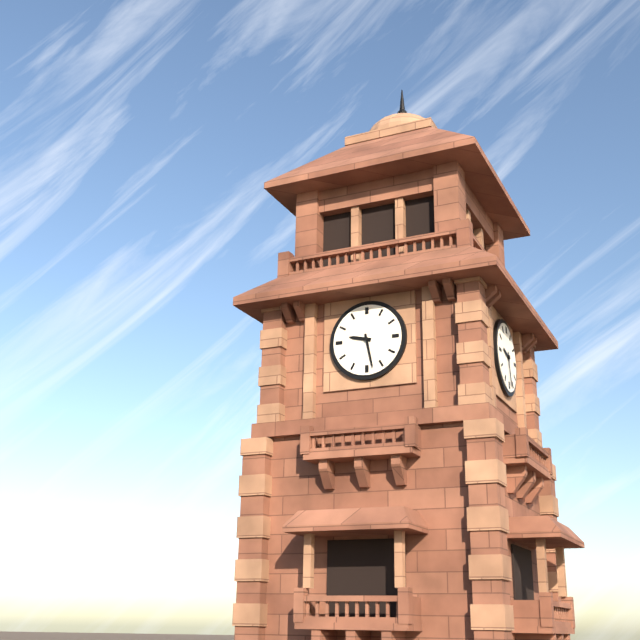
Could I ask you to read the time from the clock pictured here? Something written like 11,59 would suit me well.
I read 9,28
